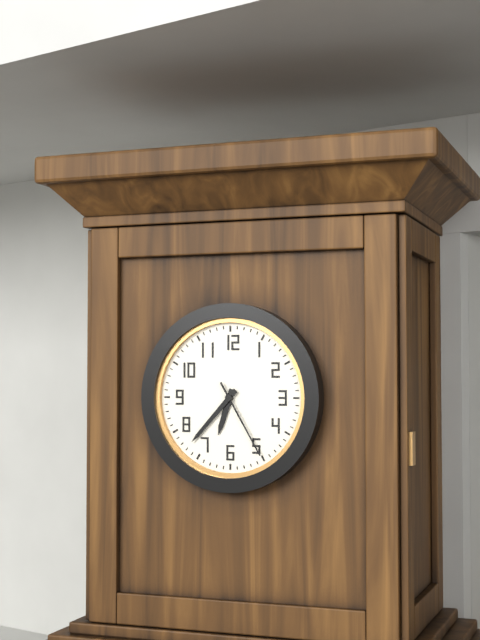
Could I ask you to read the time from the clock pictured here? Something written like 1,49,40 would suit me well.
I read 6,37,25
